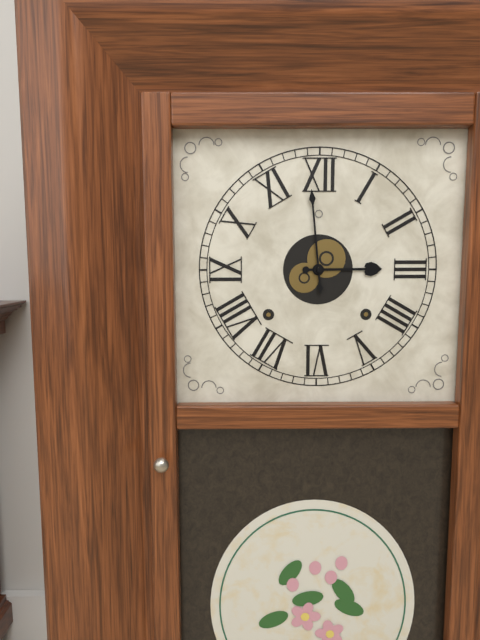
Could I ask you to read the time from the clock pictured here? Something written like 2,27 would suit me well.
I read 2,59
